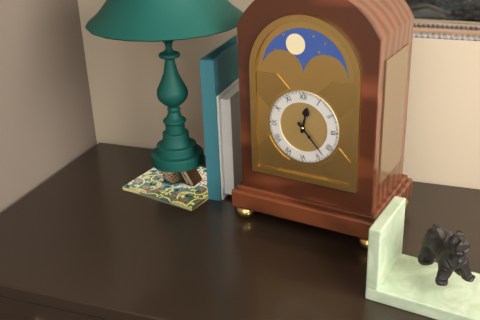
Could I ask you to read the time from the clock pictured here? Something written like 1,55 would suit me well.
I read 12,23
